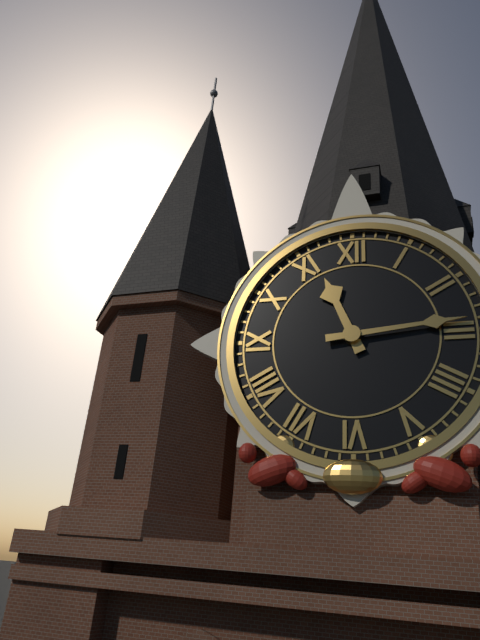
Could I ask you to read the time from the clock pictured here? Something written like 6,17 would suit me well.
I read 11,14
